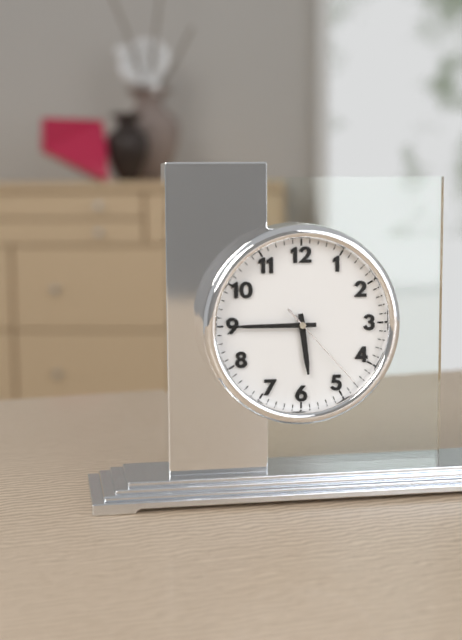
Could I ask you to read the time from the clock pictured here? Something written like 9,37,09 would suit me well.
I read 5,45,23
